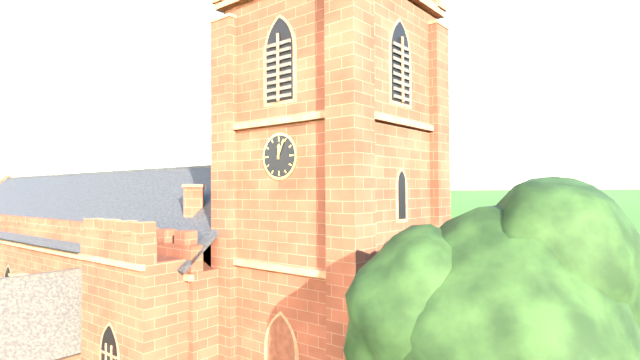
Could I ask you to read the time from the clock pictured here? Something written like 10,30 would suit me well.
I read 12,04
